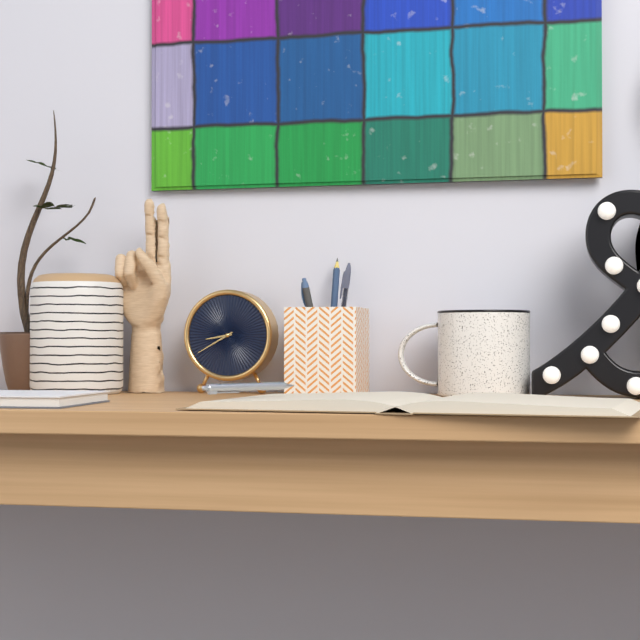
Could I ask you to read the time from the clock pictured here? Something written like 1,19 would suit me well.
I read 8,40
